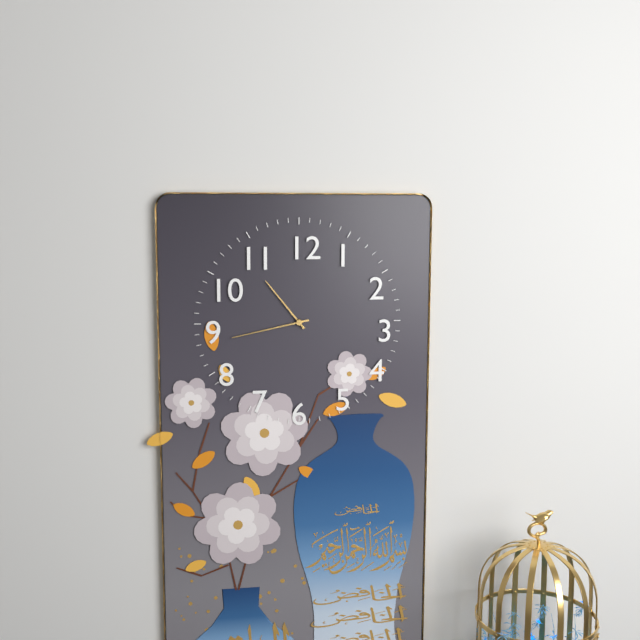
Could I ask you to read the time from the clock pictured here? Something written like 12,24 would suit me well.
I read 10,43
